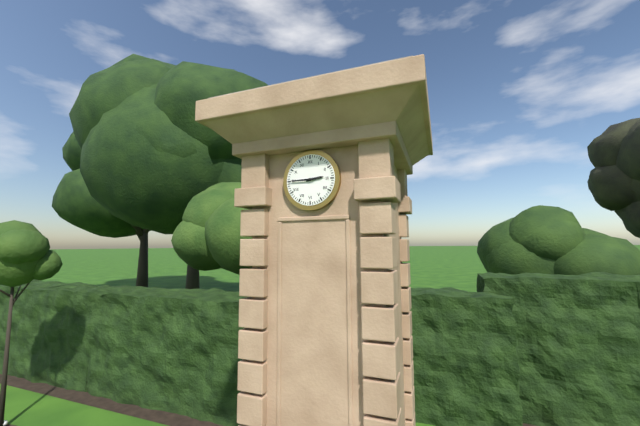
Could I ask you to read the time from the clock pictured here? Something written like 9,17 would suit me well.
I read 2,45
